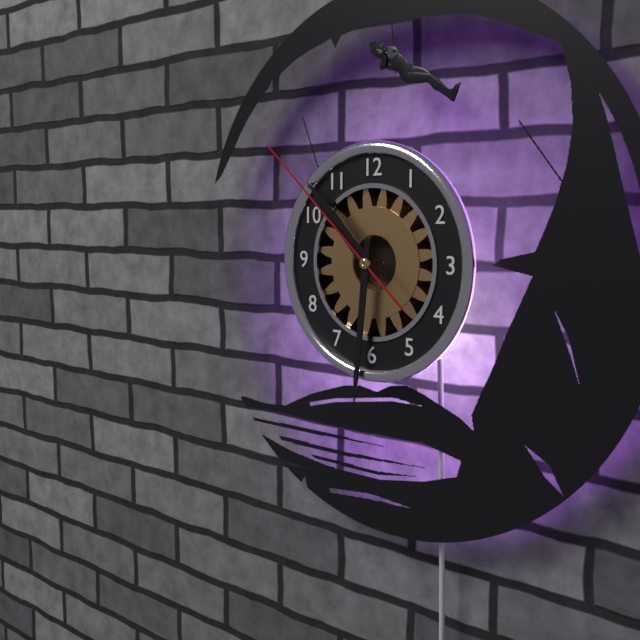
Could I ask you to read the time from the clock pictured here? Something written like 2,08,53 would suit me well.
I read 10,31,52
